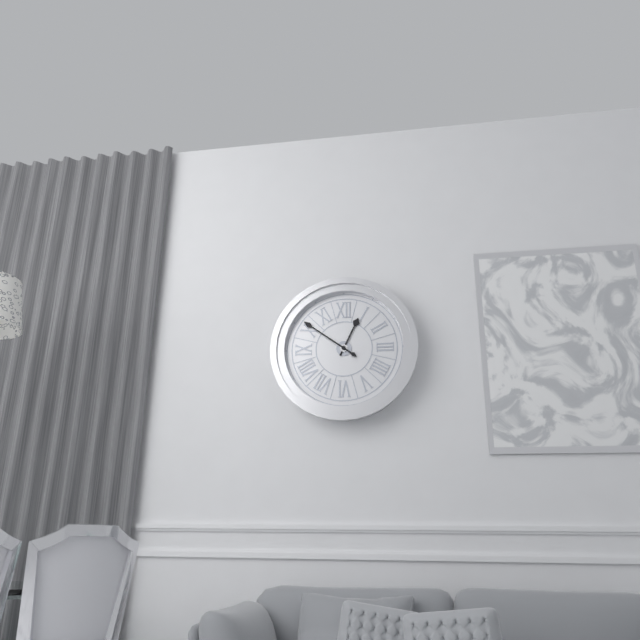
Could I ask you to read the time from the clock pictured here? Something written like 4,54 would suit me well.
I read 12,51
